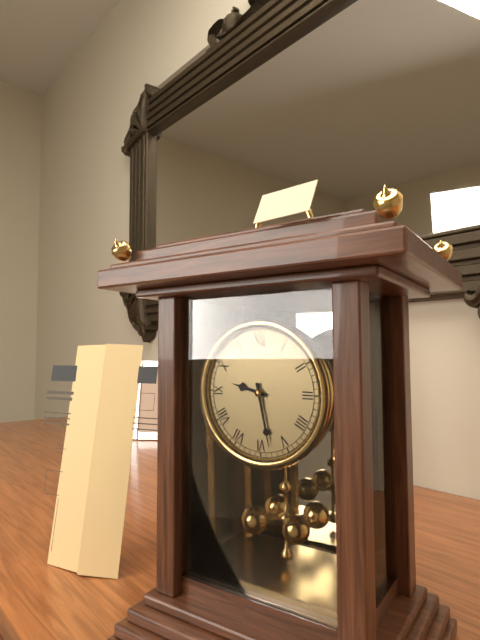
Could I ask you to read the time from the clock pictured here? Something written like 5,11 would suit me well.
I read 9,28
